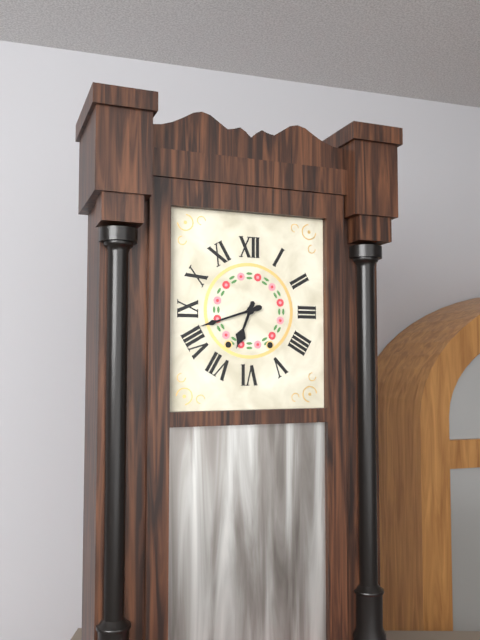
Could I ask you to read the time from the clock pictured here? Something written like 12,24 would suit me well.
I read 6,42
